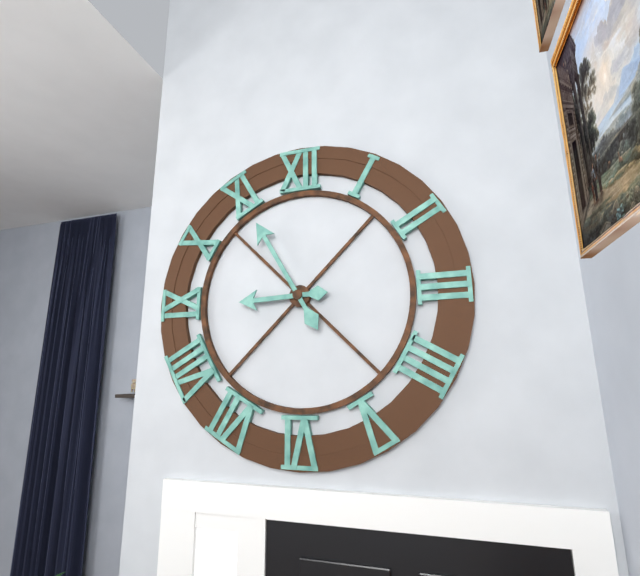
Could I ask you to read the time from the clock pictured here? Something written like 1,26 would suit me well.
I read 8,55
